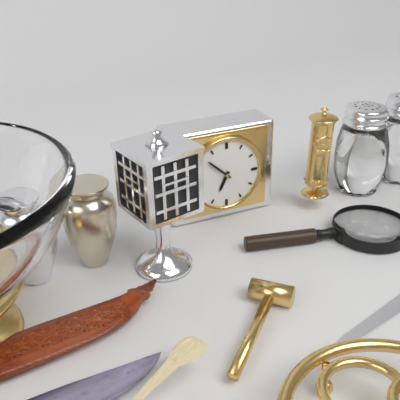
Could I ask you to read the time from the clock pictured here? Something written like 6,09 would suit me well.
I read 6,52
